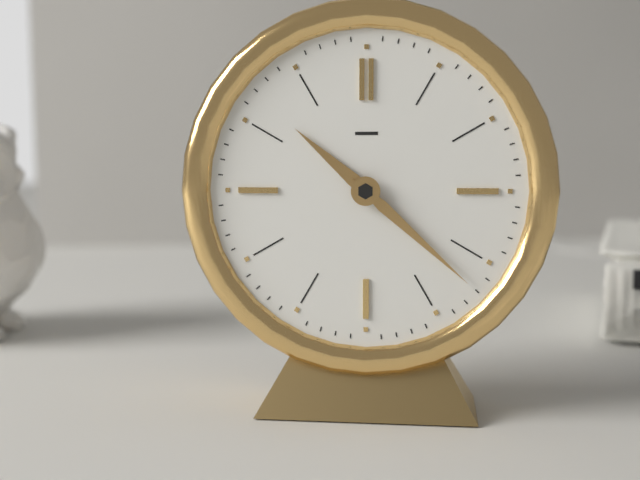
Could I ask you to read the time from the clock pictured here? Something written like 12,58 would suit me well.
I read 10,22
